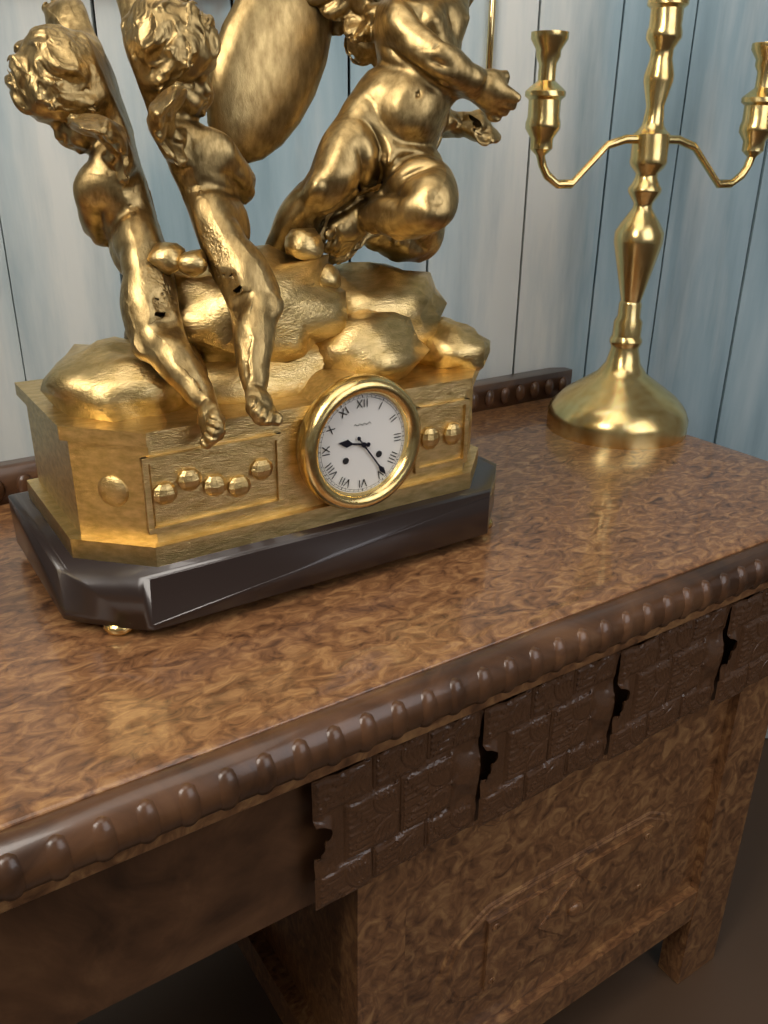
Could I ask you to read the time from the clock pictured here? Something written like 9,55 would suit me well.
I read 9,24
